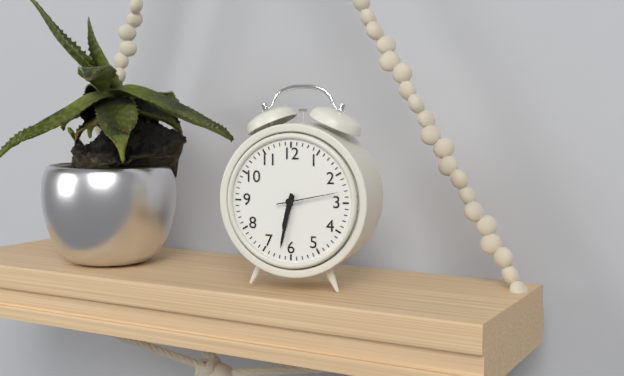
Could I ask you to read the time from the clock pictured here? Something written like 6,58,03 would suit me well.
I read 6,32,13
